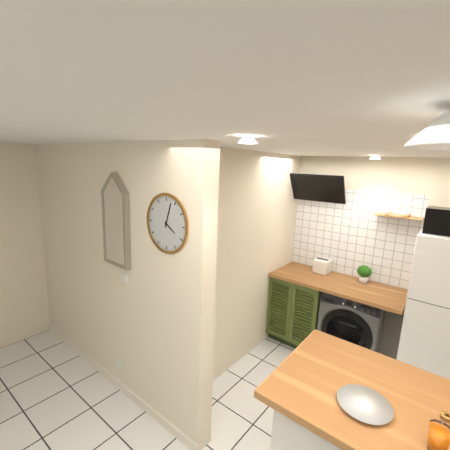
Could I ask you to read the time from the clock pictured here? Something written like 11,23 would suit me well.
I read 4,03
